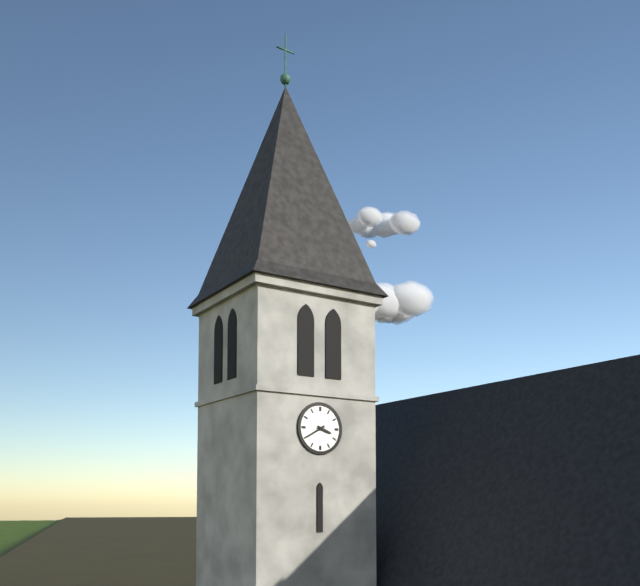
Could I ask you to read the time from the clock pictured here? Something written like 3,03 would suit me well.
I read 3,40
